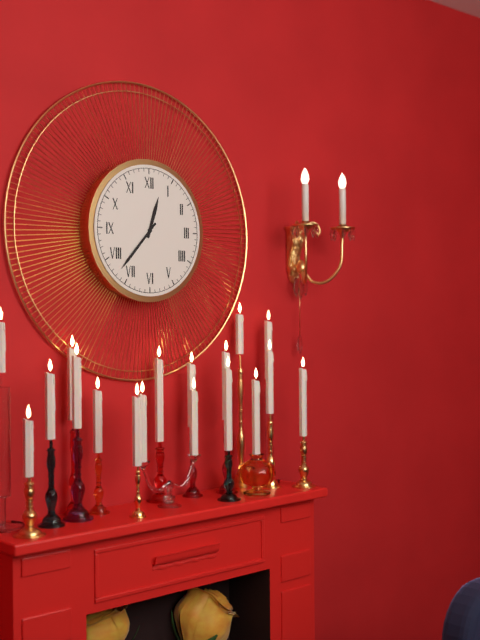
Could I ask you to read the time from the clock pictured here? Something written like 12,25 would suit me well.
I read 12,37
